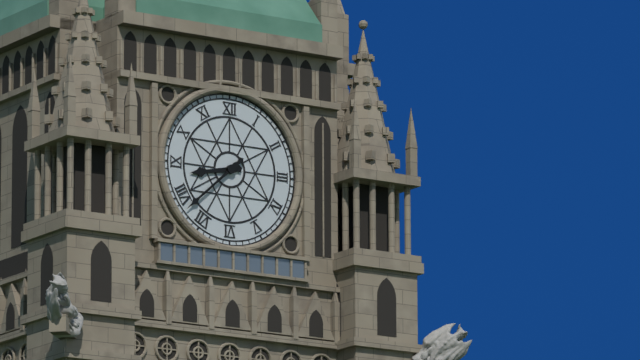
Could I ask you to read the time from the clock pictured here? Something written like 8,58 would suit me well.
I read 8,38
